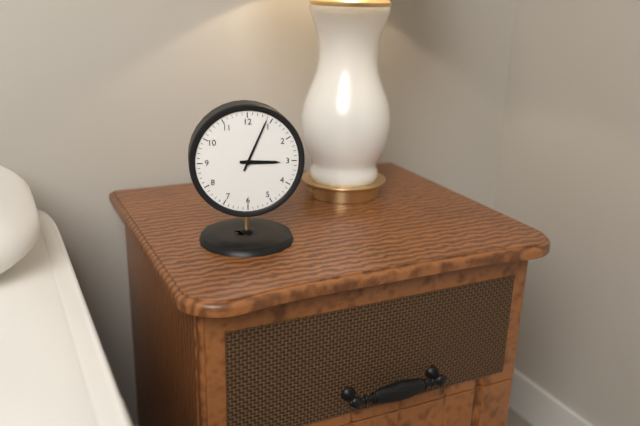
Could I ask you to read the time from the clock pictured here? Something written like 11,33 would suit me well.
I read 3,04
